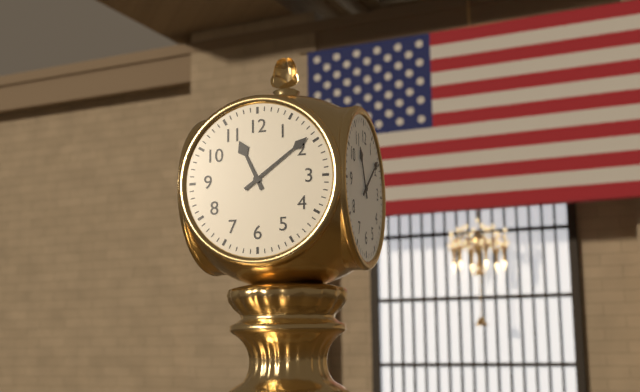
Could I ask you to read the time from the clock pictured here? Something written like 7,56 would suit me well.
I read 11,09
